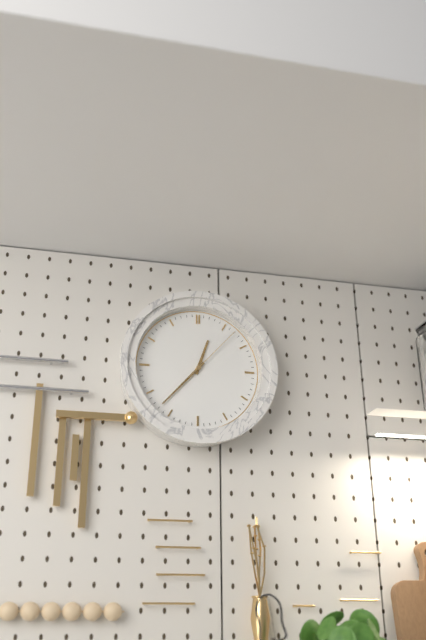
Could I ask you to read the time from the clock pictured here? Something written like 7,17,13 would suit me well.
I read 12,37,07
